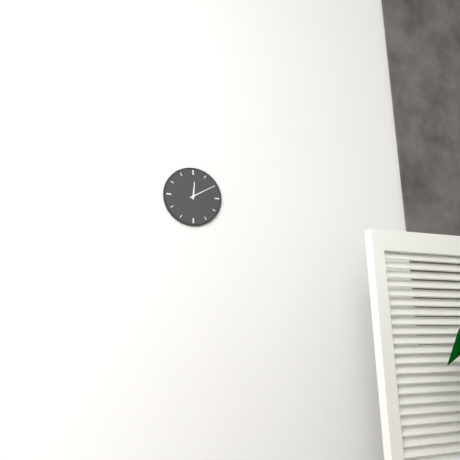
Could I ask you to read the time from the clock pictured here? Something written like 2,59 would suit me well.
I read 12,10
